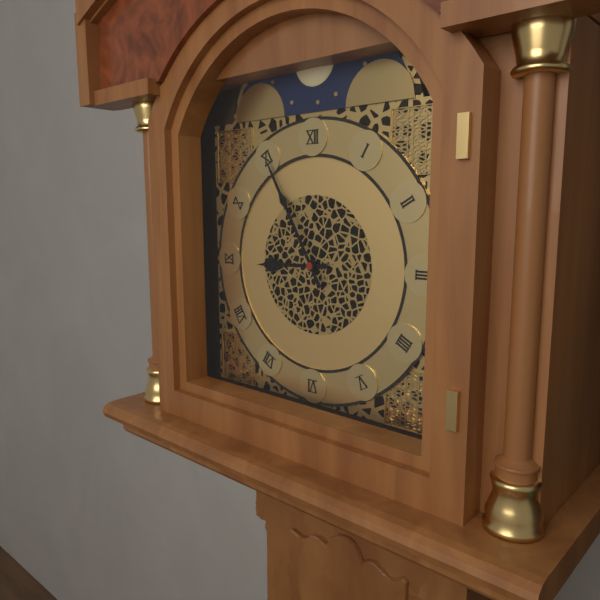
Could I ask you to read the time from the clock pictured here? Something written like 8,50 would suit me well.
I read 8,55
